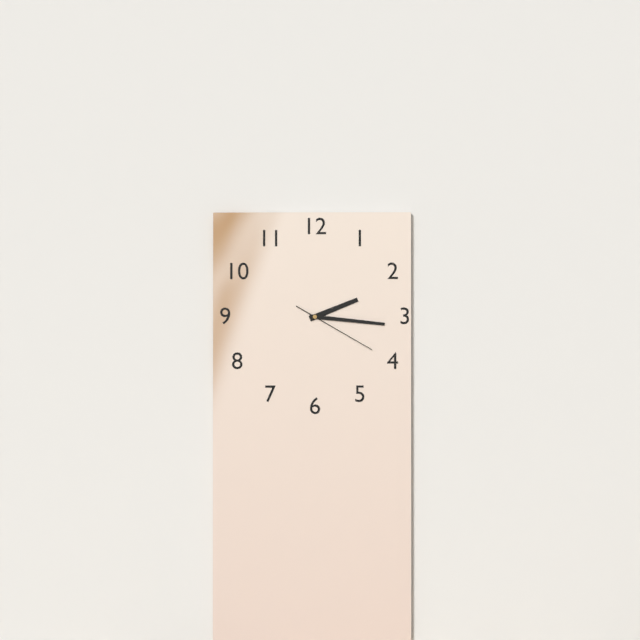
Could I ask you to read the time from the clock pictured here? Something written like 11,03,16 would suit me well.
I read 2,16,20
